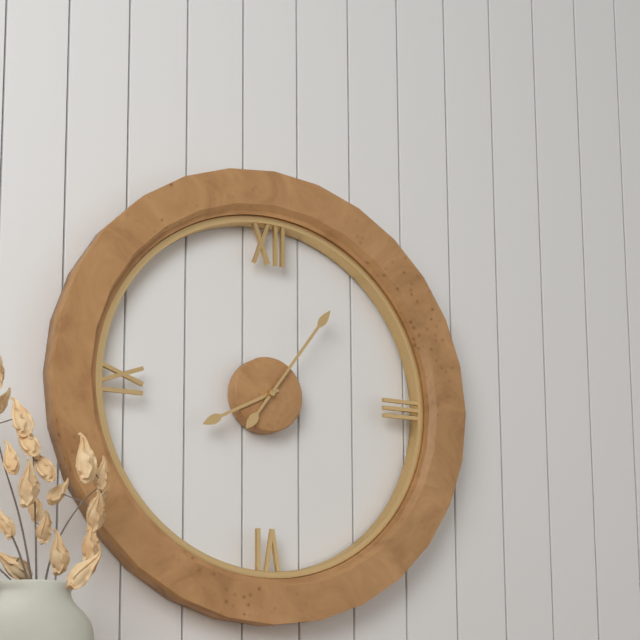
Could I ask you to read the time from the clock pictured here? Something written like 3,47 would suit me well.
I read 8,06
